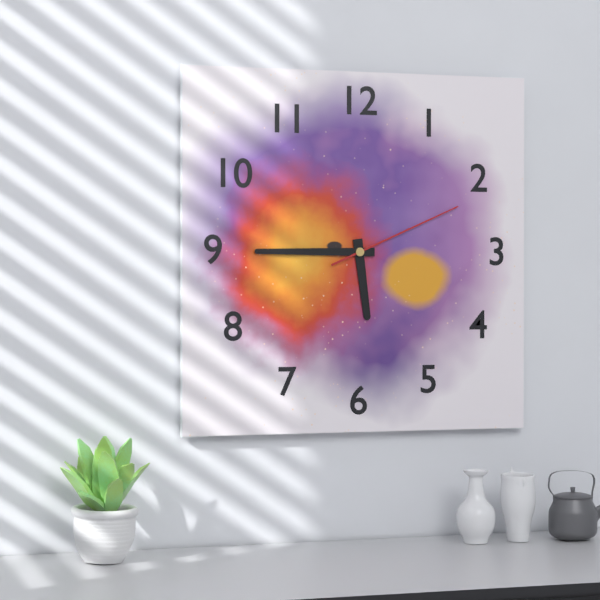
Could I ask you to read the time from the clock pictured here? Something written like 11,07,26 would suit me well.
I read 5,45,11
